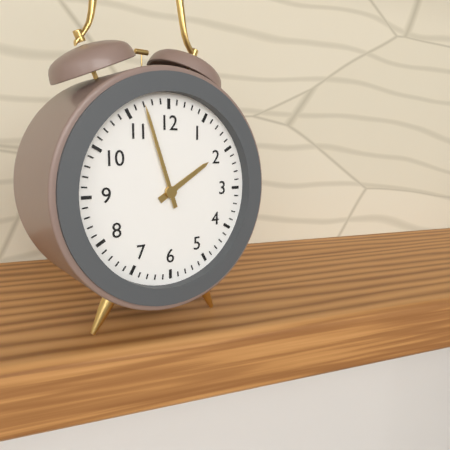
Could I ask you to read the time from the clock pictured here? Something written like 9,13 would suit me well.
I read 1,57
